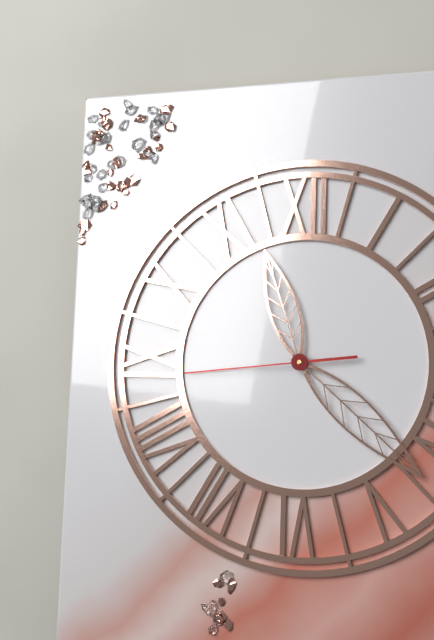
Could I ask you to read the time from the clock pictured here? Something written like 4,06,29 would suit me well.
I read 11,22,44
